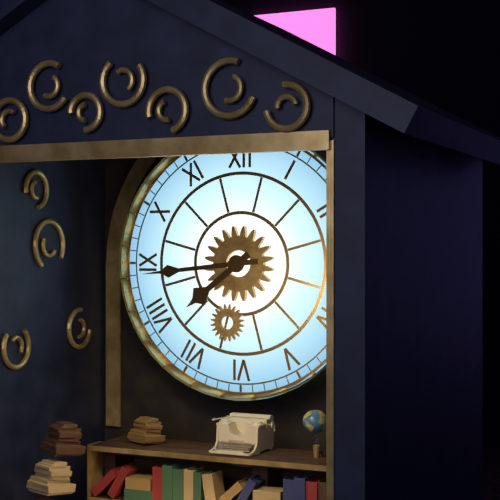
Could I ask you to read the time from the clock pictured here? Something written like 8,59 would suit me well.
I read 7,44
